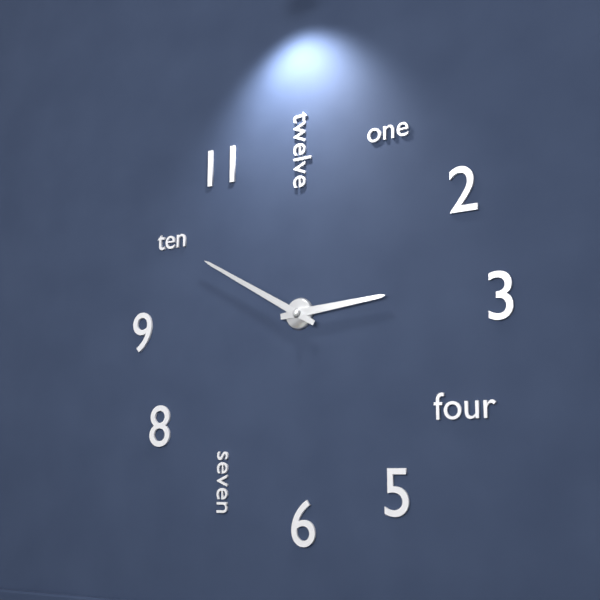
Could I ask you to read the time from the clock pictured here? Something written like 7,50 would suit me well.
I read 2,50
